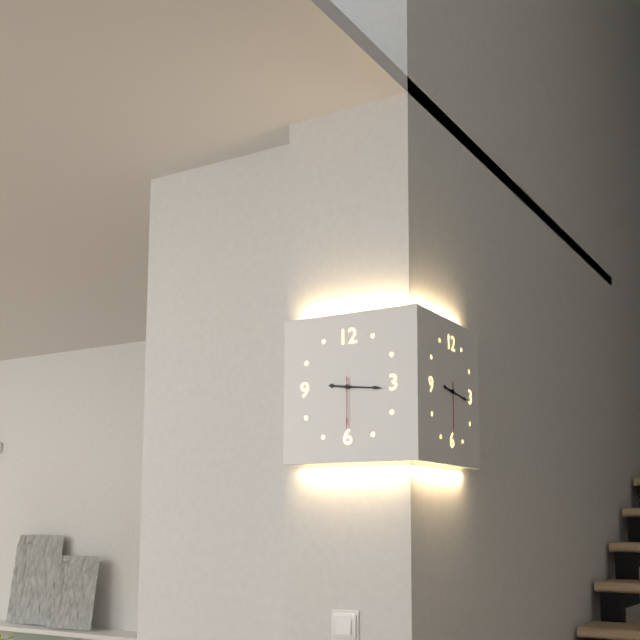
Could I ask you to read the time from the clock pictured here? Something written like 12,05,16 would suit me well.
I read 9,16,30
